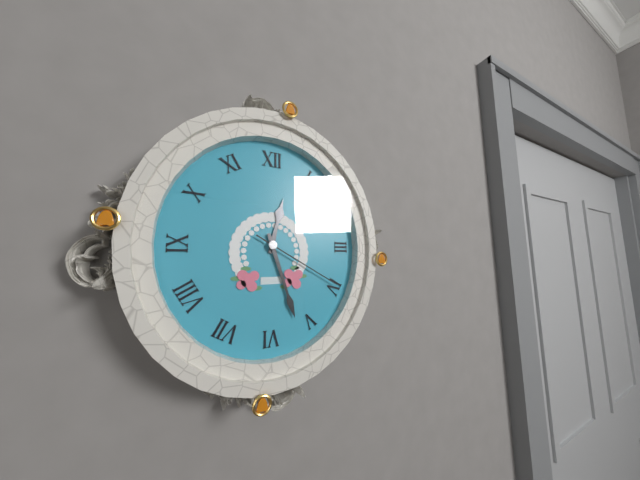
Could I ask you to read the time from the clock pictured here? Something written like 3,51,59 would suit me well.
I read 12,27,20
